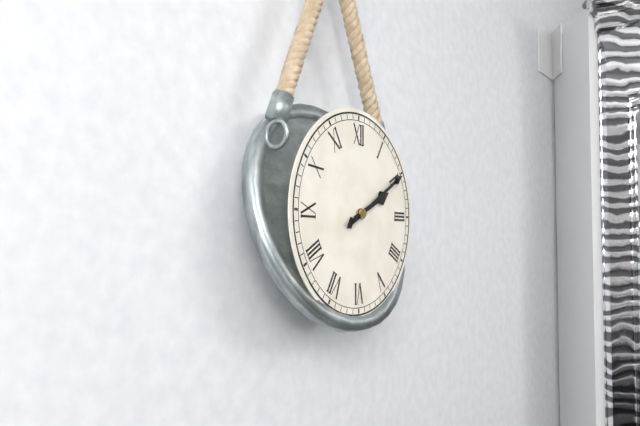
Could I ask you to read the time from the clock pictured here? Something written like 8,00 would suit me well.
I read 2,10
